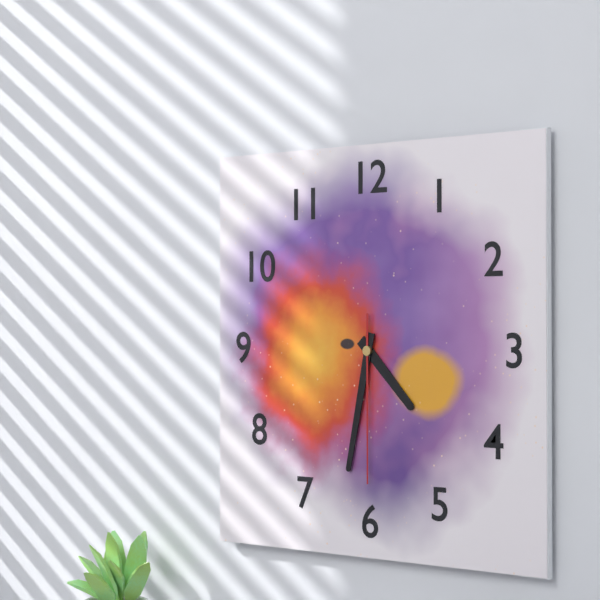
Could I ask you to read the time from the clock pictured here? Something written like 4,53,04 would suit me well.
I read 4,32,30
